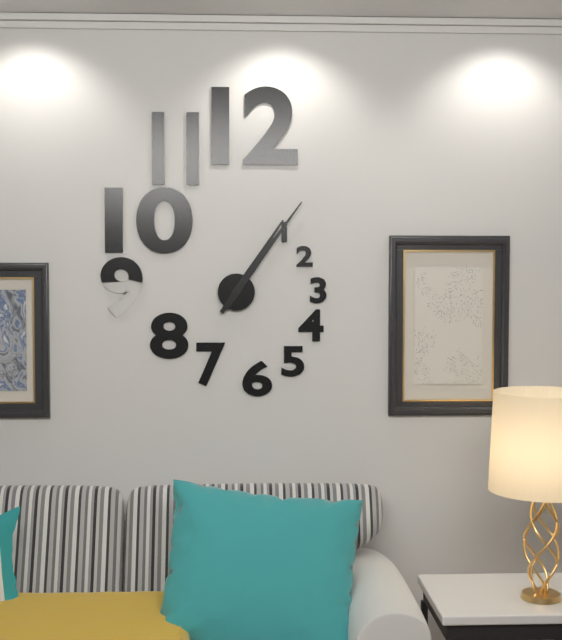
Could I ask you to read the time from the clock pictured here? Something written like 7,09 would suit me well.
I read 1,06
